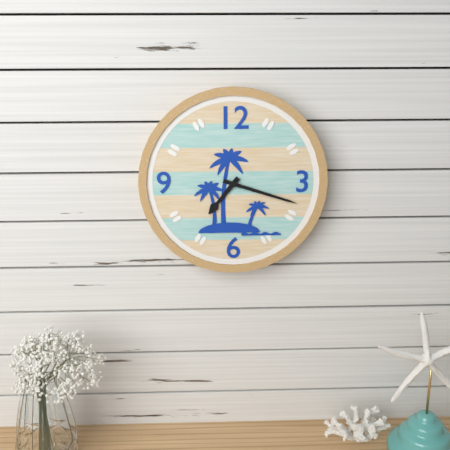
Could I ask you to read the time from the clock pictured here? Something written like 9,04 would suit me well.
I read 7,18
